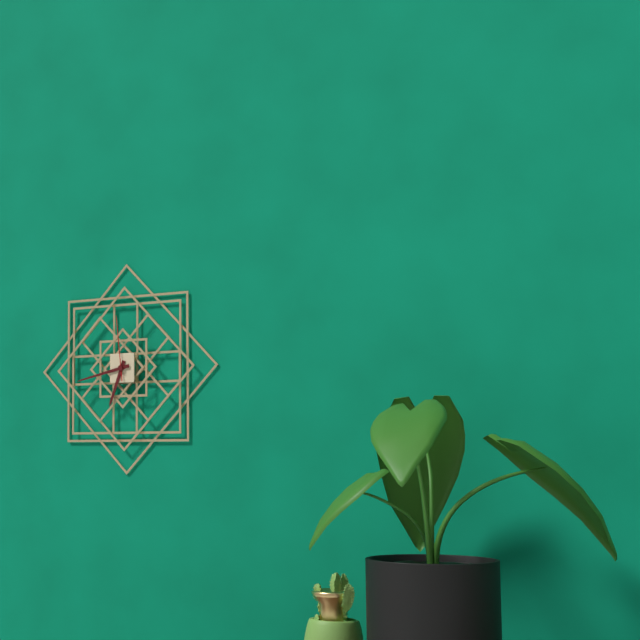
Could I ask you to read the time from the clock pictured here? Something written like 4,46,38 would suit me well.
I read 6,43,59
